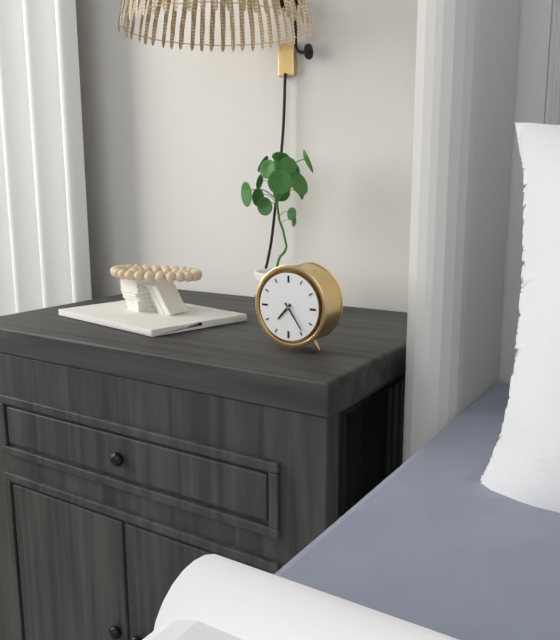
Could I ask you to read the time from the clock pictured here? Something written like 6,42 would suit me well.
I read 7,24
